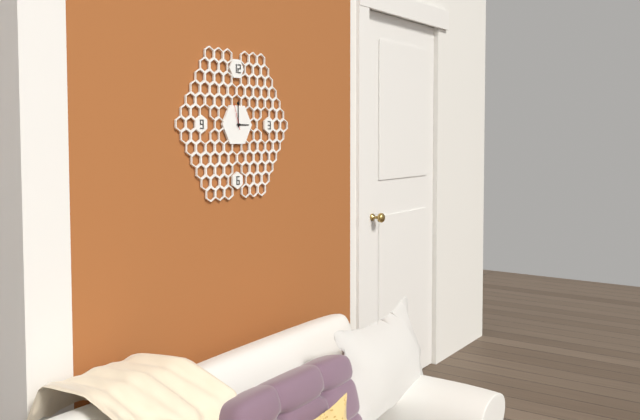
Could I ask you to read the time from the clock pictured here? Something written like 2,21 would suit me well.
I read 3,00
